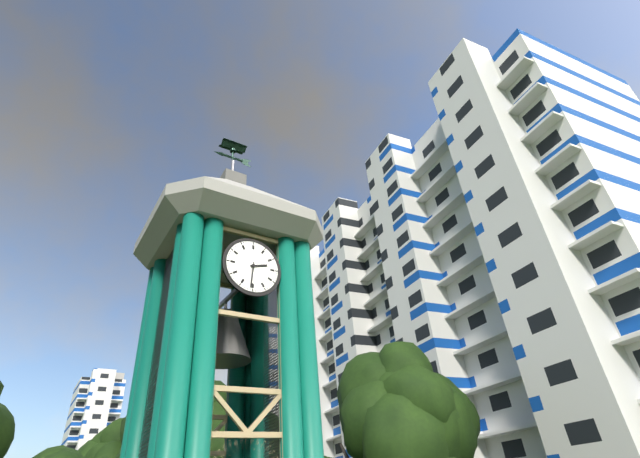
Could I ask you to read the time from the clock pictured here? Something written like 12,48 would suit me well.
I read 2,31
